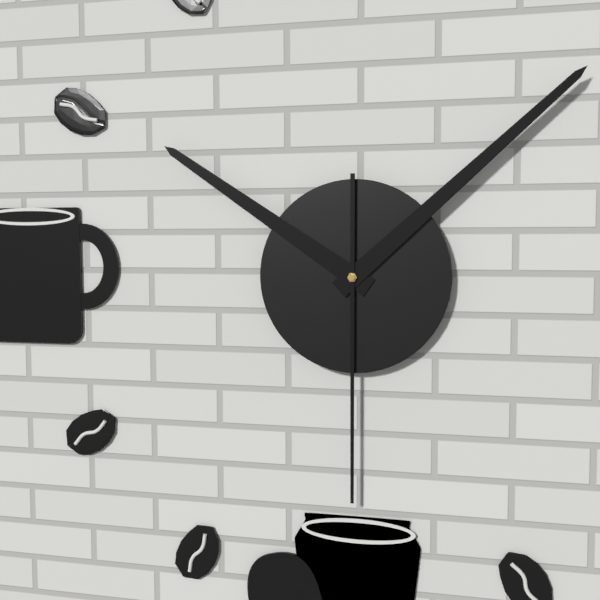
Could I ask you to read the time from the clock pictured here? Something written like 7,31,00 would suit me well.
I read 10,08,30
